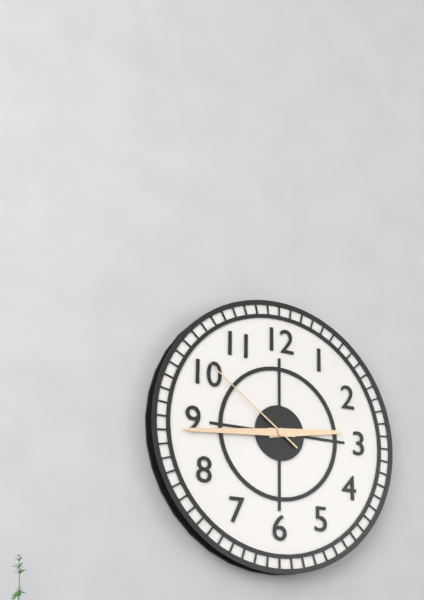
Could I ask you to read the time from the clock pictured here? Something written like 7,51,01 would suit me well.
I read 2,44,51
